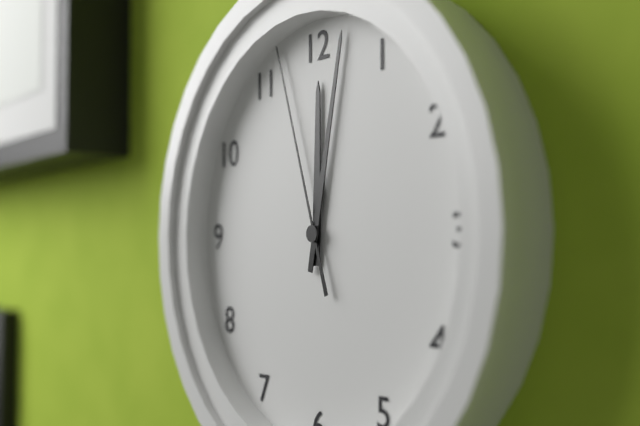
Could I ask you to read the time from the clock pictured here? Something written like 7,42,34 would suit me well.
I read 12,02,57
